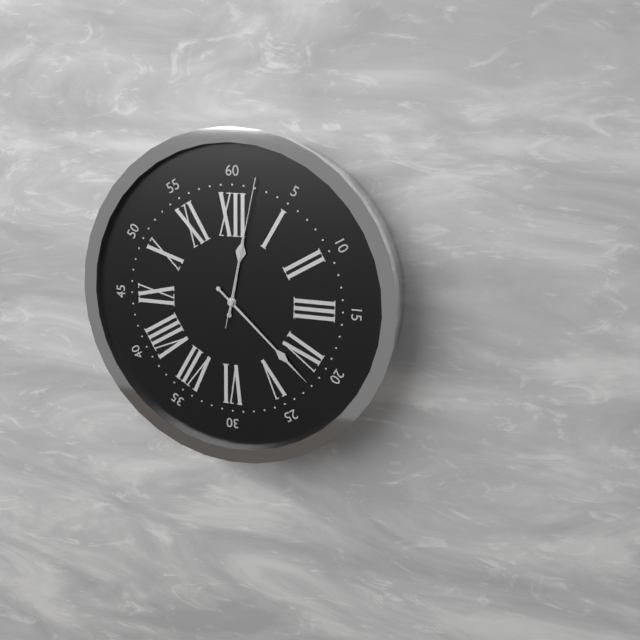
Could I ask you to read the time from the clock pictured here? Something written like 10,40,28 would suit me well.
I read 12,22,02
